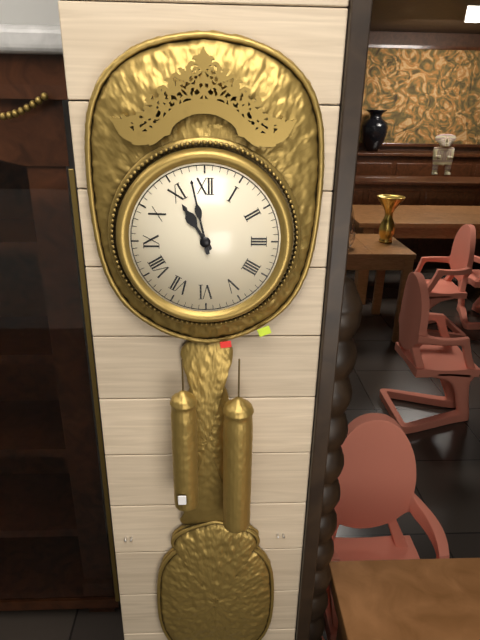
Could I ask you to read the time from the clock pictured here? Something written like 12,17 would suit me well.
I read 10,58
